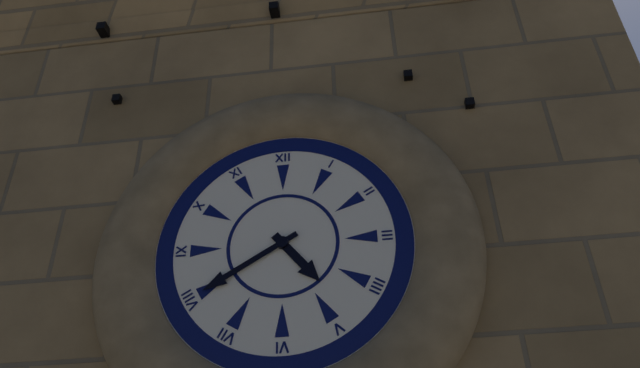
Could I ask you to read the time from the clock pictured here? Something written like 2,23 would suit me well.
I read 4,40
